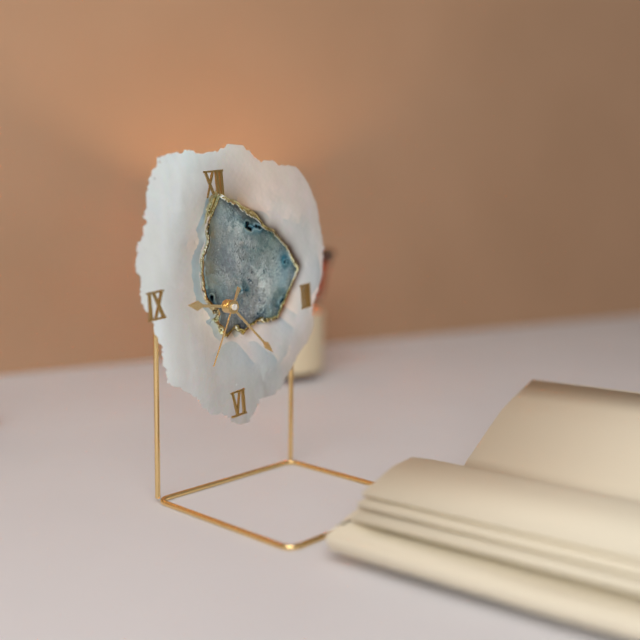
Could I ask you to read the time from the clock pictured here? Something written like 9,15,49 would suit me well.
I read 9,23,35
